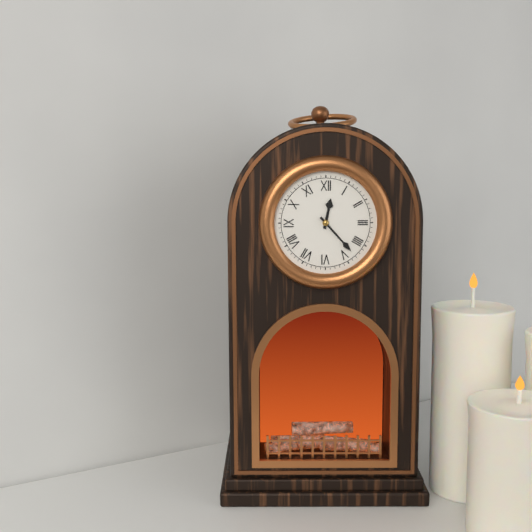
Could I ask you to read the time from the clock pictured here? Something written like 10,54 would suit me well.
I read 12,23
